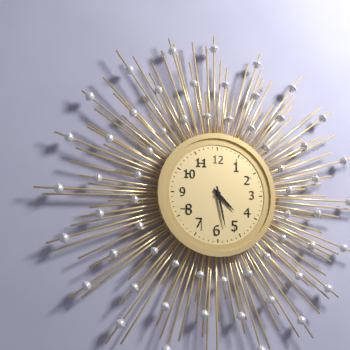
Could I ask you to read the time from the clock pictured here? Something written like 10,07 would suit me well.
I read 4,28
